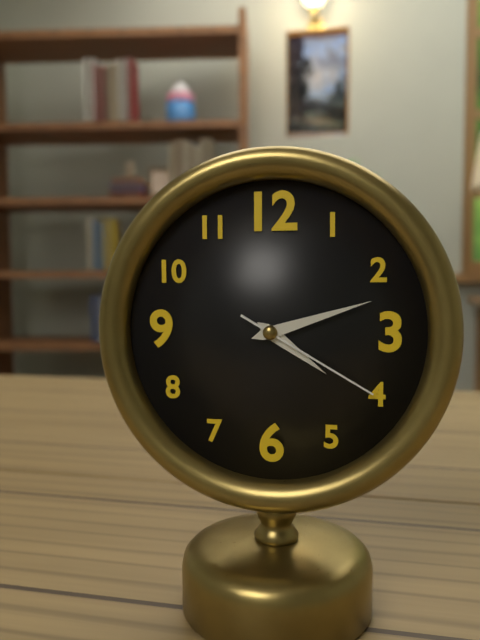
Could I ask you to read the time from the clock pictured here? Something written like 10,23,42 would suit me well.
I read 4,12,20
